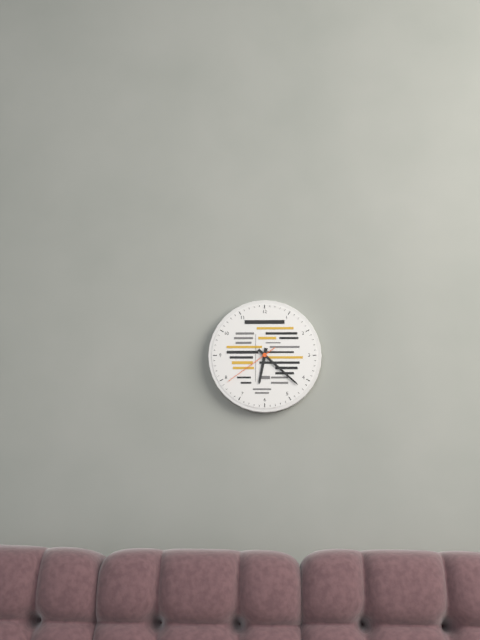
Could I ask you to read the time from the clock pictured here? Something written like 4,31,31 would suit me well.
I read 6,22,39
